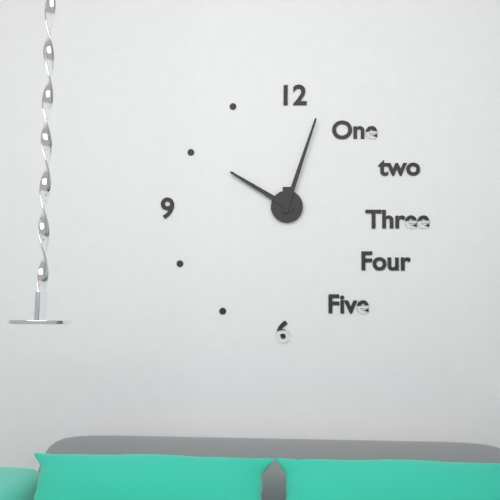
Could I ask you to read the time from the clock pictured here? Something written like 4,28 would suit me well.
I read 10,03
